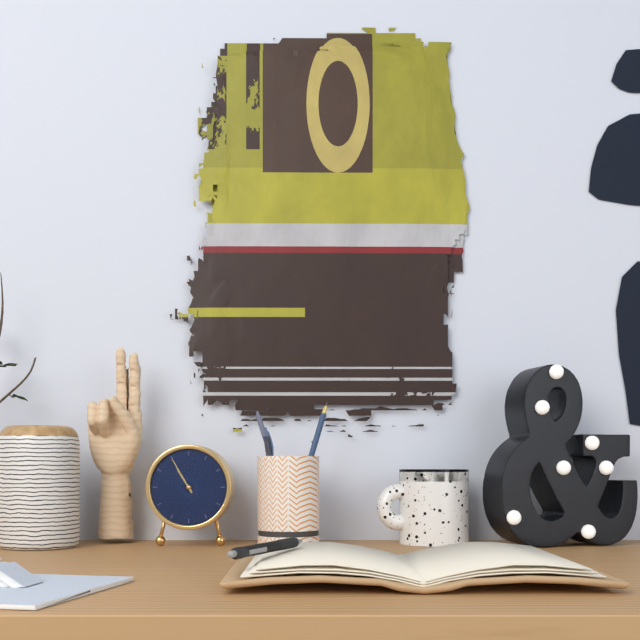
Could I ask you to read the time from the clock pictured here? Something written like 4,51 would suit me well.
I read 10,55
